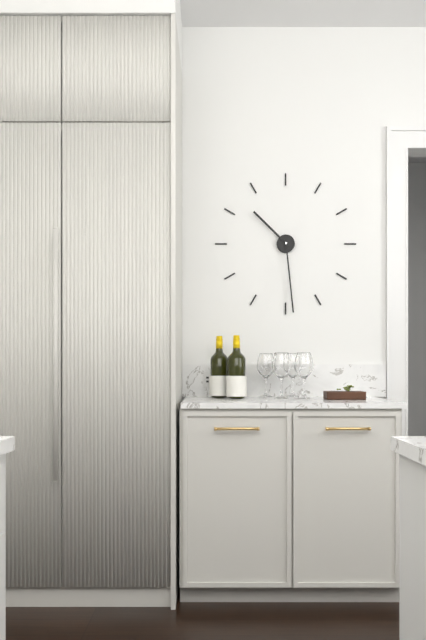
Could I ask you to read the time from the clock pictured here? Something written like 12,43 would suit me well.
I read 10,29
